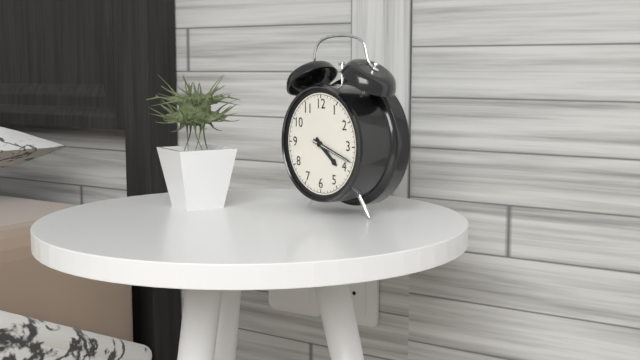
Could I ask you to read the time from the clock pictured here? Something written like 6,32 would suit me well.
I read 4,18
